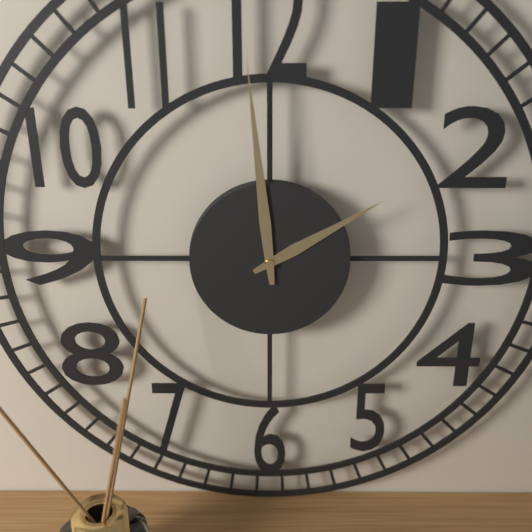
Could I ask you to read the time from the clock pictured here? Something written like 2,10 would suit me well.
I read 1,59
